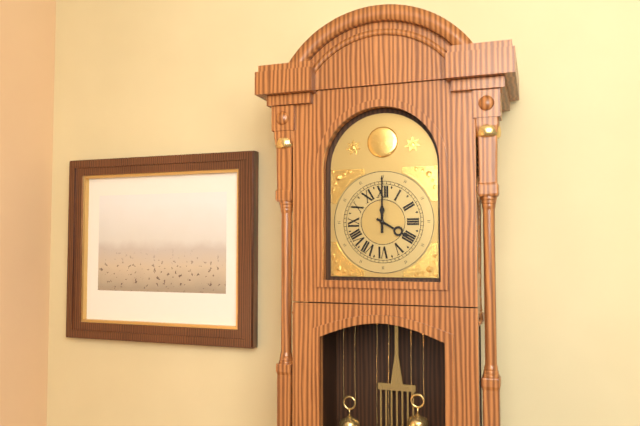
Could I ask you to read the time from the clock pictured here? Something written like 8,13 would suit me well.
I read 4,00
